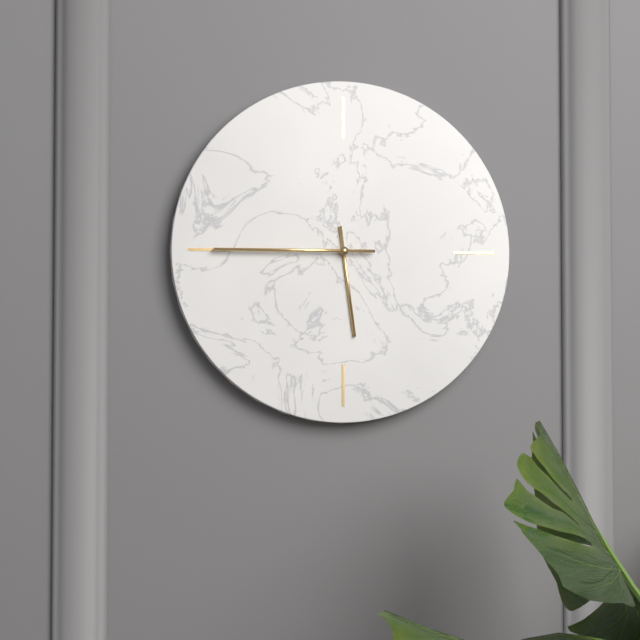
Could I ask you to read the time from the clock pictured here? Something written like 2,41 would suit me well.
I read 5,45
